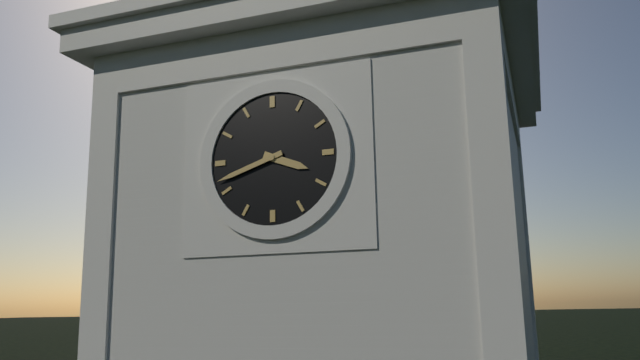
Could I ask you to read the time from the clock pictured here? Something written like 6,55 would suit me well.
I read 3,42
